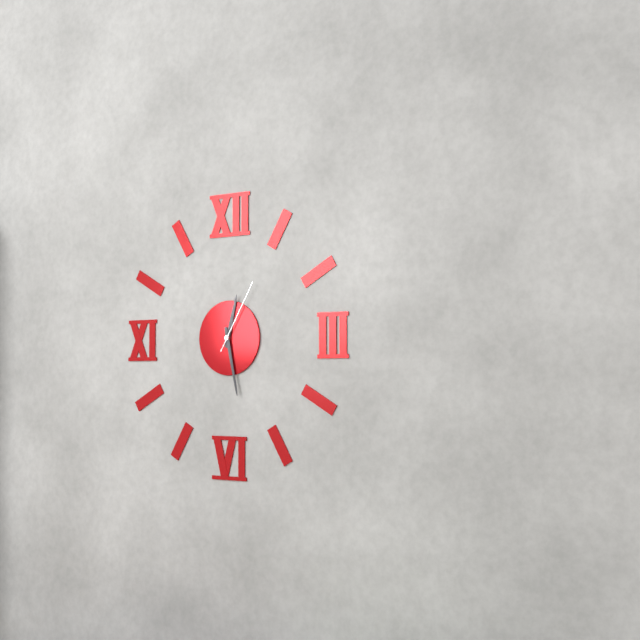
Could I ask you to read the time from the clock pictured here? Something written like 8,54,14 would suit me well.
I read 12,28,05
